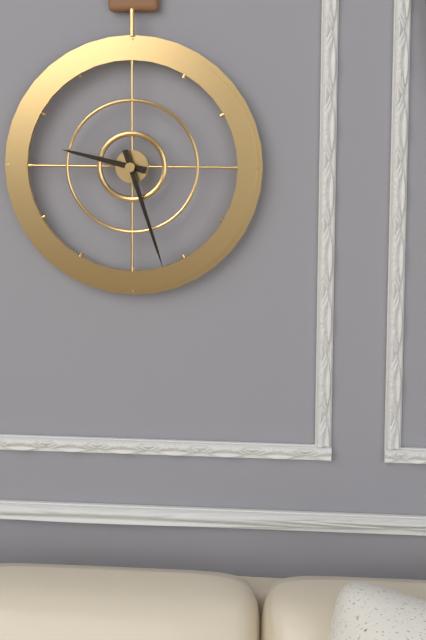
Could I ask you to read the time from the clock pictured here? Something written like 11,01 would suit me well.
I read 9,27
